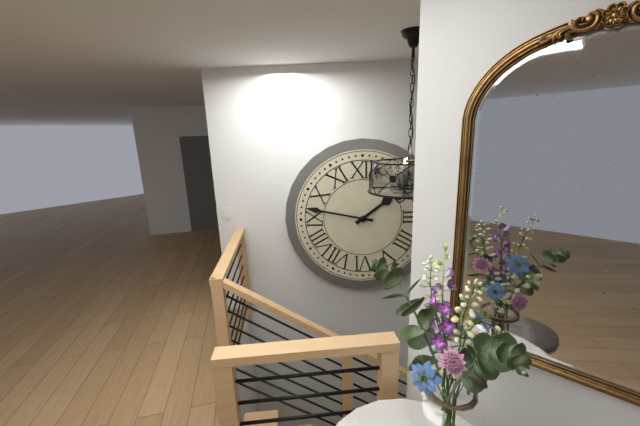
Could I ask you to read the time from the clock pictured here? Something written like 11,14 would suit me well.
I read 1,47
